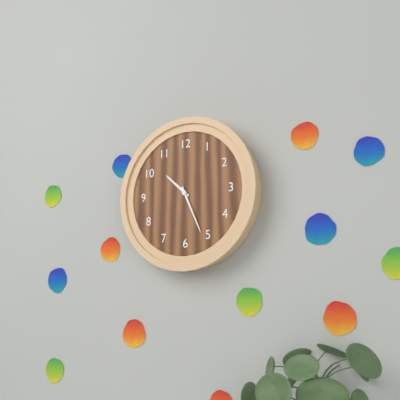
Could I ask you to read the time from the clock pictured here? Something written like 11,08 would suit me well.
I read 10,26
